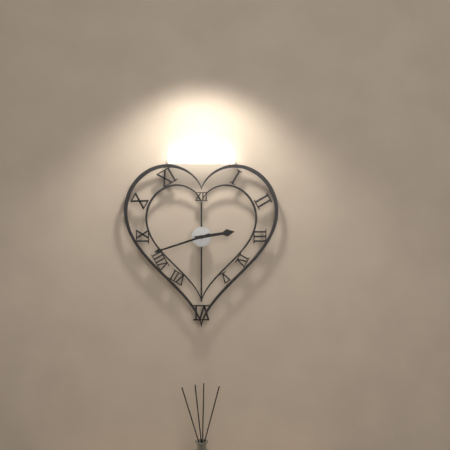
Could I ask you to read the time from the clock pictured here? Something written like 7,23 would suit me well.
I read 2,42
